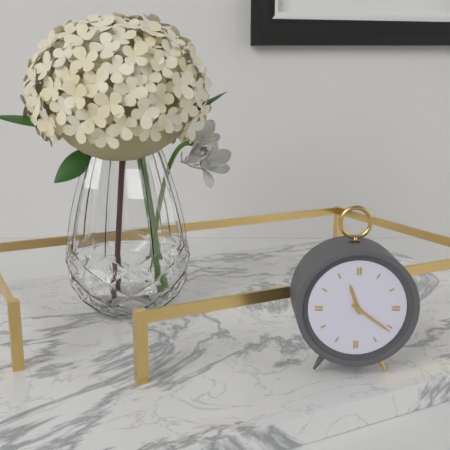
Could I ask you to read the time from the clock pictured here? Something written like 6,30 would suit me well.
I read 11,21
